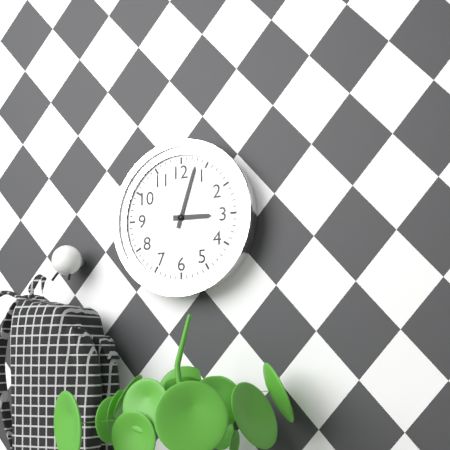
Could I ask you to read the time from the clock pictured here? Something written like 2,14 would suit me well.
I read 3,03
